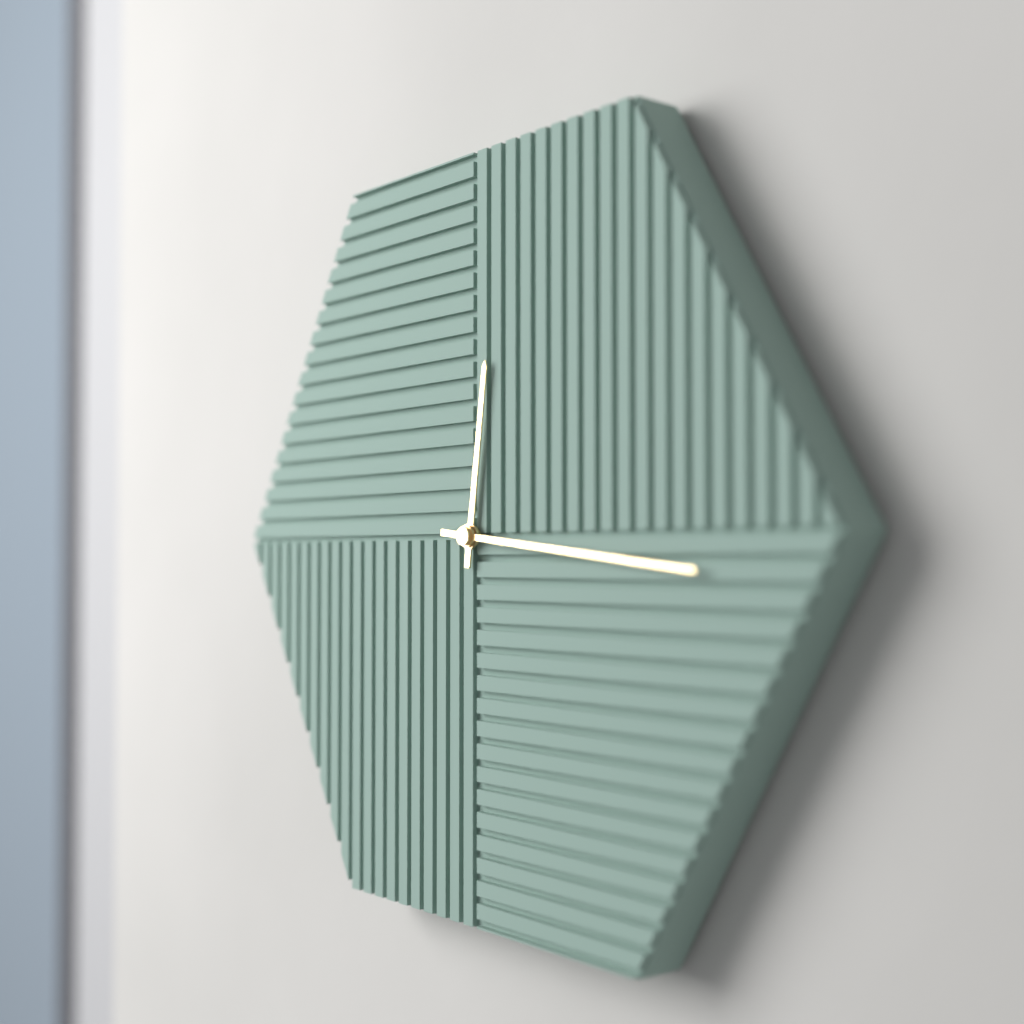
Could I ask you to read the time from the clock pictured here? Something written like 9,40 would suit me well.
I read 12,16
